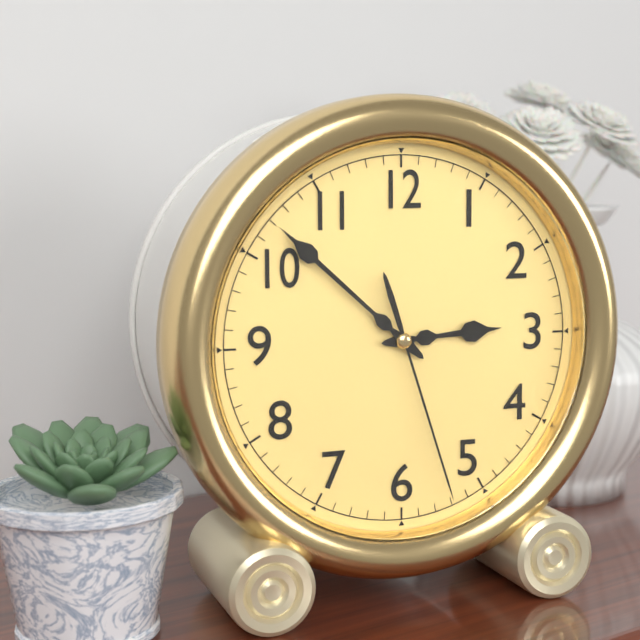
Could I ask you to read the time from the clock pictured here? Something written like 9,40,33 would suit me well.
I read 2,52,27
